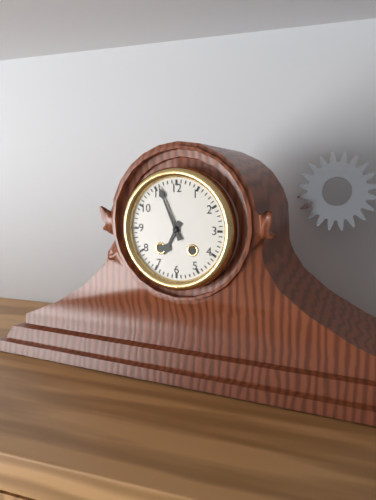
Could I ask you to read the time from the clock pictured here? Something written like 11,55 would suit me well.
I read 6,56
